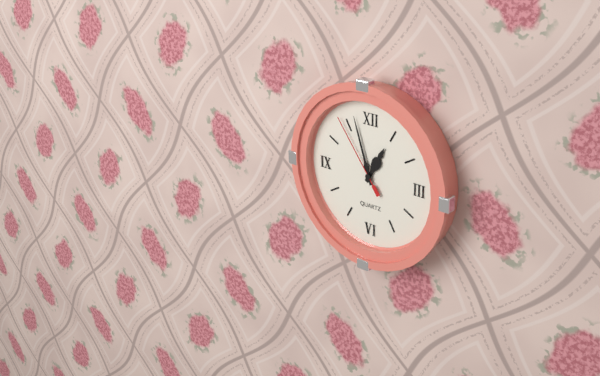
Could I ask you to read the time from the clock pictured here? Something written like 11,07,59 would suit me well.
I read 12,57,54
